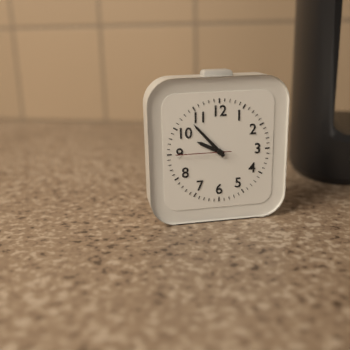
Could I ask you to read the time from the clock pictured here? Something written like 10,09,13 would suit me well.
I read 9,53,45
